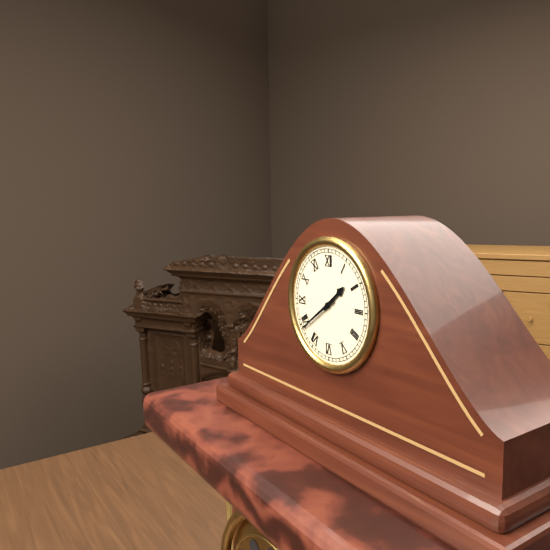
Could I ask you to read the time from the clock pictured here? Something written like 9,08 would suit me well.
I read 1,39
